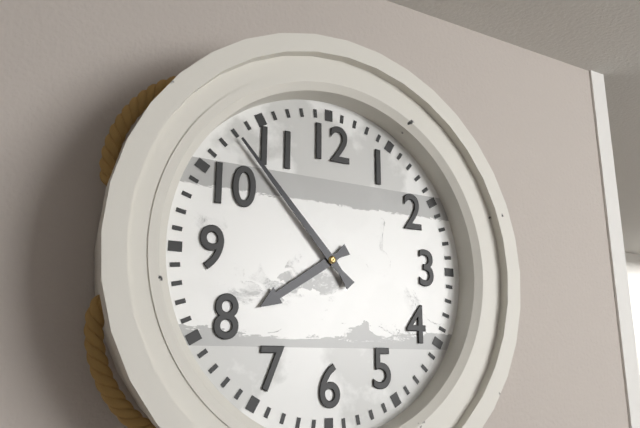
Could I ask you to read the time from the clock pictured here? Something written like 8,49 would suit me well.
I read 7,53
